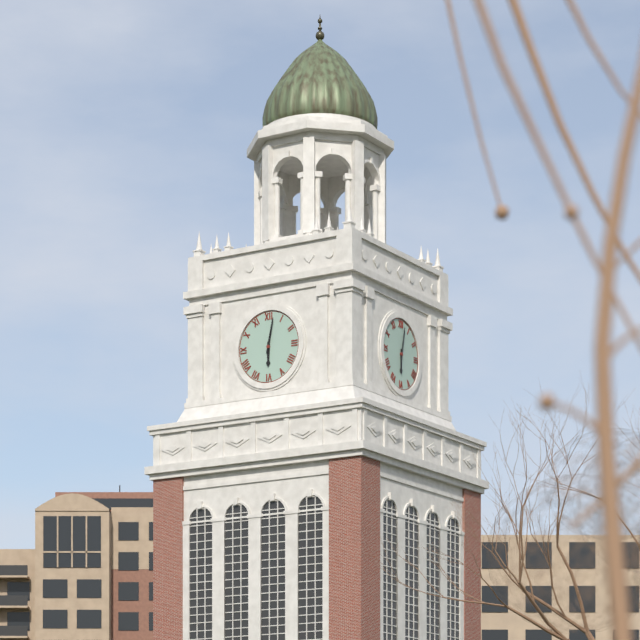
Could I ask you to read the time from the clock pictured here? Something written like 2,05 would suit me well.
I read 6,02
